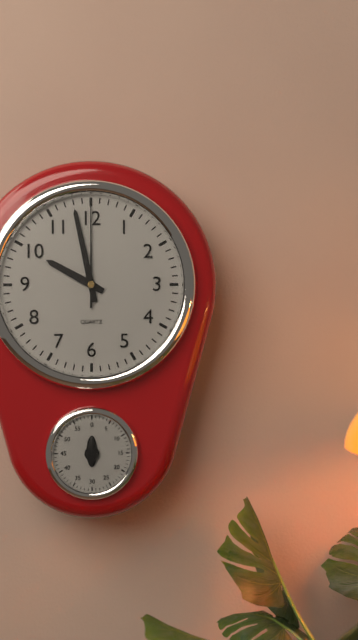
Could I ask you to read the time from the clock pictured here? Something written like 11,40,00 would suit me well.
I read 9,58,00
